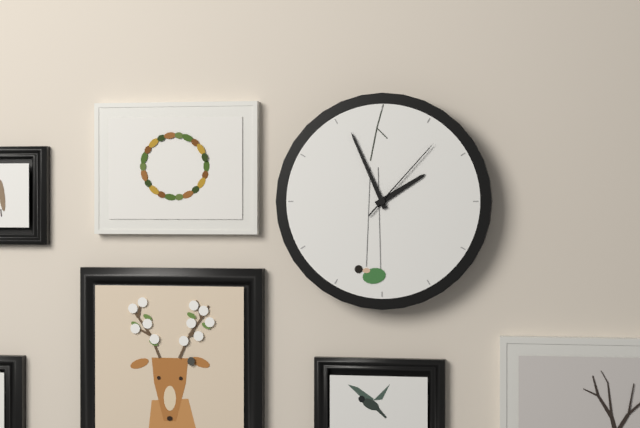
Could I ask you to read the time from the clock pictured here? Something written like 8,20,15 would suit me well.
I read 1,56,07
